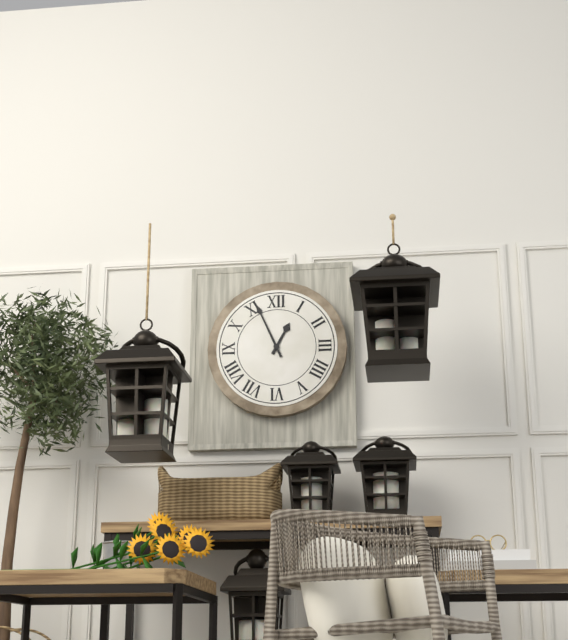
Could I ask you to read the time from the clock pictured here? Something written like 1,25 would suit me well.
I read 12,56
